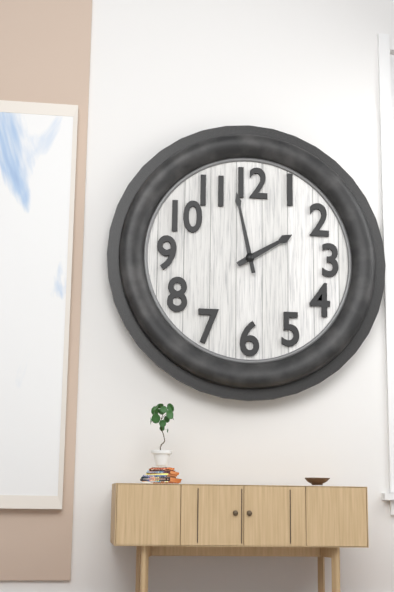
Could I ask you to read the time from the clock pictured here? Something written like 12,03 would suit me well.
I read 1,58
